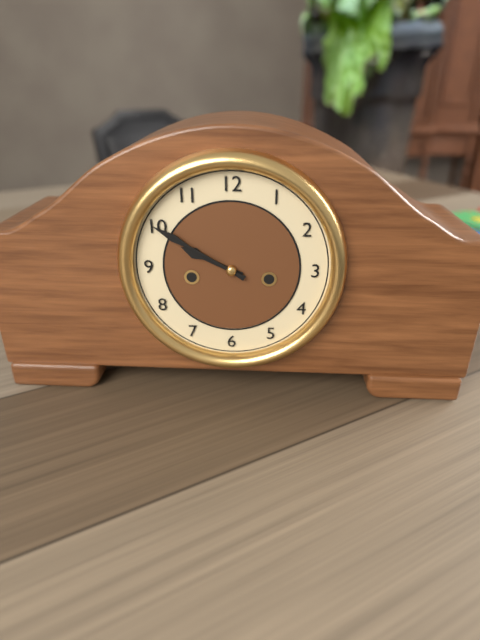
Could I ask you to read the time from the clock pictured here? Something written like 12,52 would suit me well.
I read 9,50
